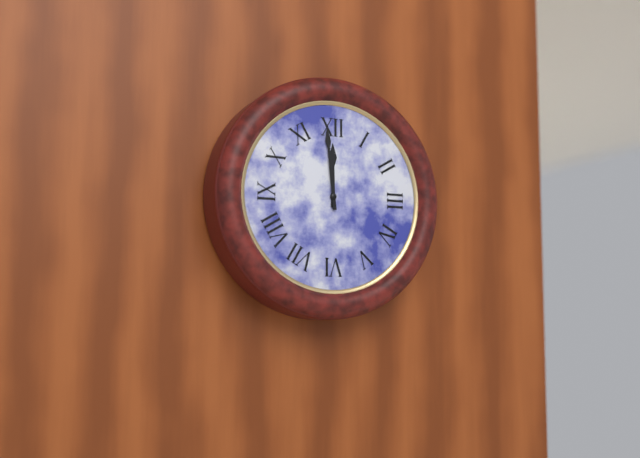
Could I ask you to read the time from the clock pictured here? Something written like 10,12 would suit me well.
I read 11,59
